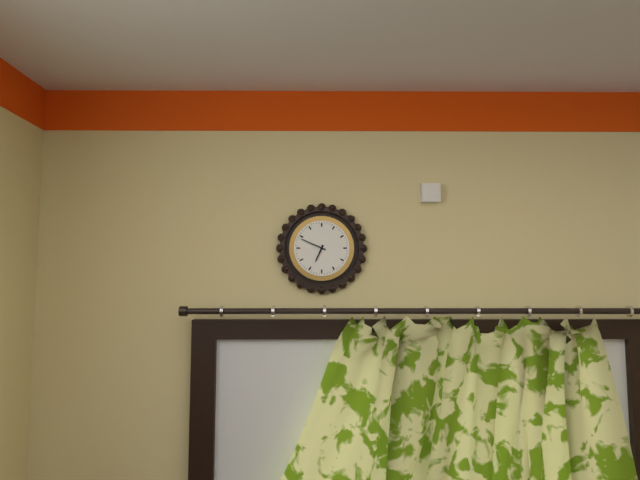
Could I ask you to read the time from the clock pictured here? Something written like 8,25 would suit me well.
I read 6,49
